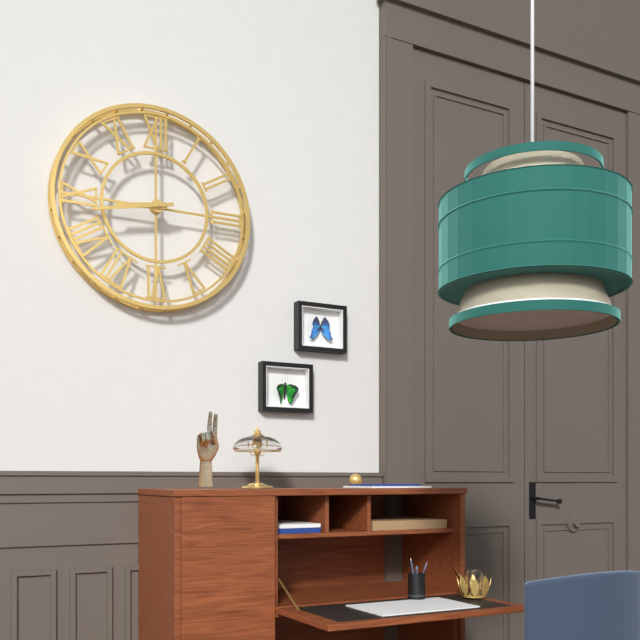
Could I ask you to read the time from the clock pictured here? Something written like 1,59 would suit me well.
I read 8,43
